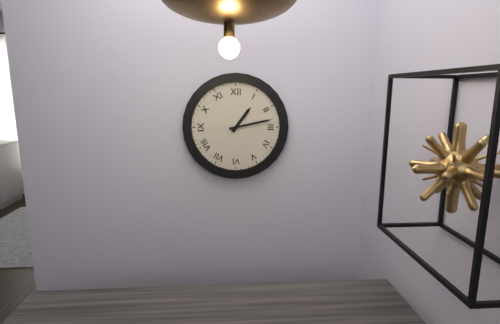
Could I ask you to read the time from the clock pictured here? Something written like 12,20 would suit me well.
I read 1,13
